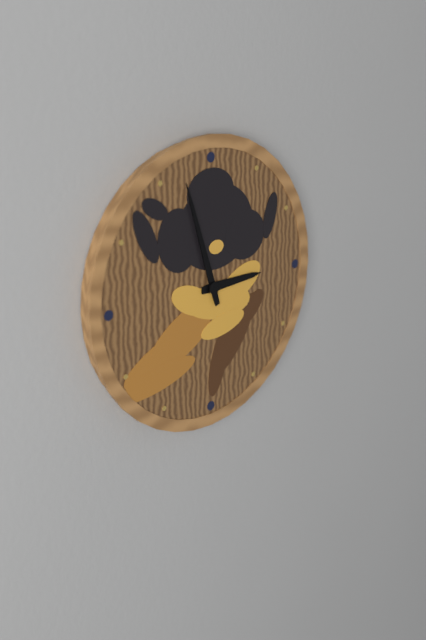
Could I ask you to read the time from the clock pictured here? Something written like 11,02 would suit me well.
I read 2,57
